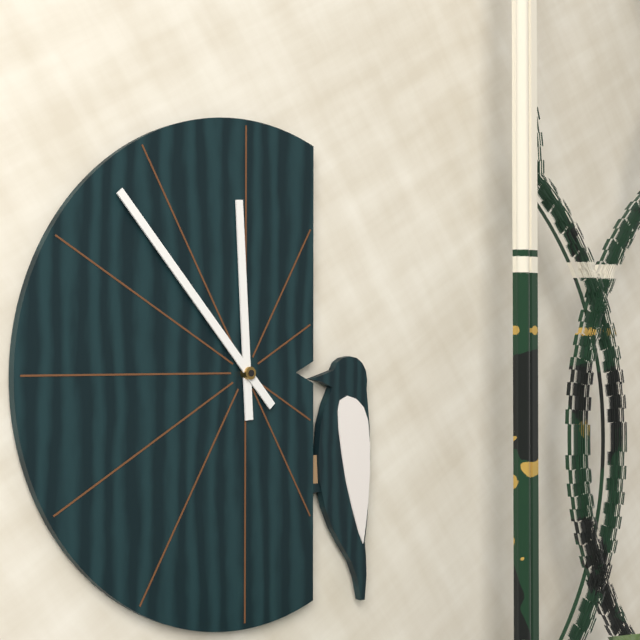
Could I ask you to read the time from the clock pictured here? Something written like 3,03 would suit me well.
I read 11,53
